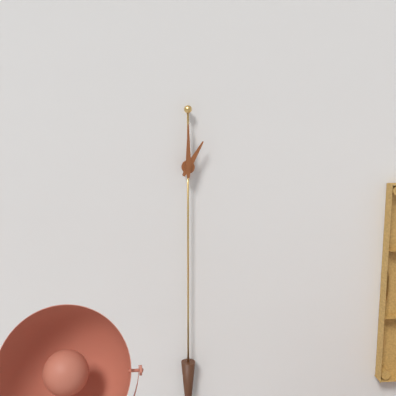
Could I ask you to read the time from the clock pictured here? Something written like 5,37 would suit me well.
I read 1,00
